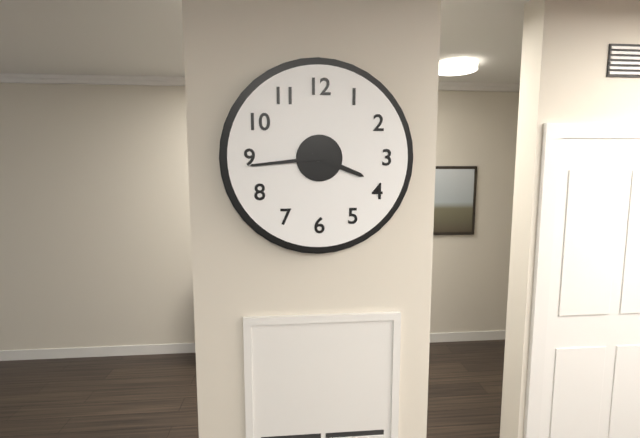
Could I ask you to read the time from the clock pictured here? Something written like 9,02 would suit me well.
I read 3,44
